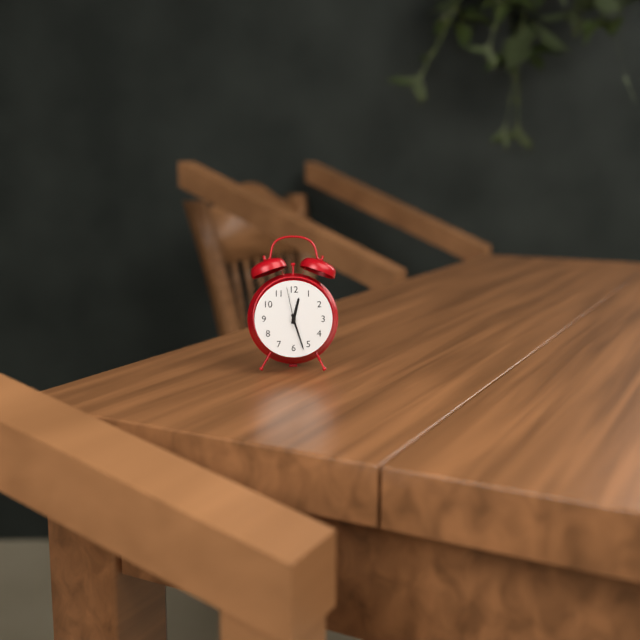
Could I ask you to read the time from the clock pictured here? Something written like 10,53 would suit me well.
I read 12,27
